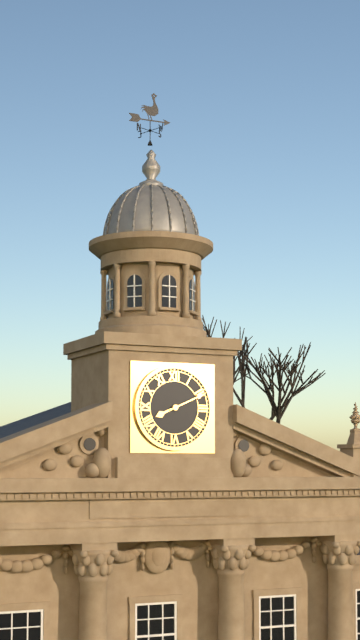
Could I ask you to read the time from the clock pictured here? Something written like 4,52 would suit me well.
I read 8,11
